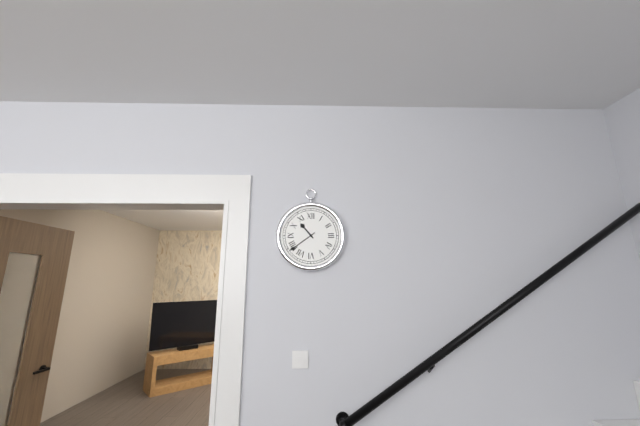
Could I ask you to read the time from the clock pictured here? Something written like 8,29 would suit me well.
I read 10,39
